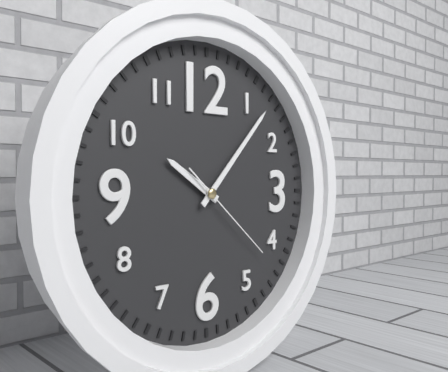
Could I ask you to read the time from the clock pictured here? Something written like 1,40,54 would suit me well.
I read 10,07,22
